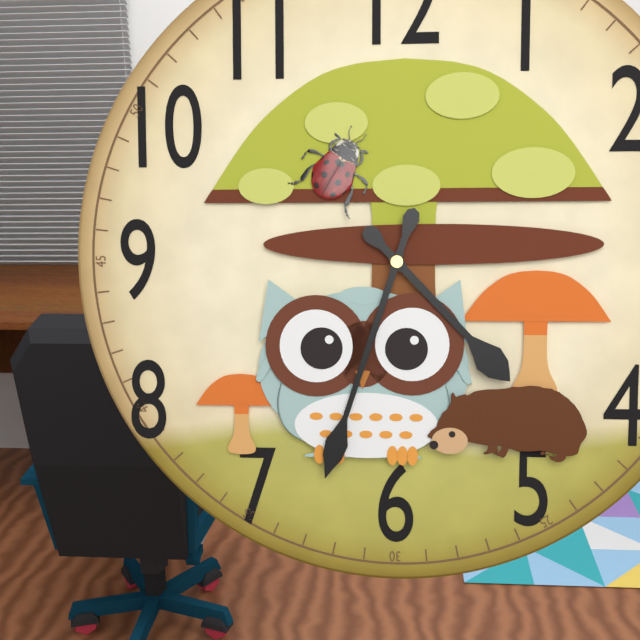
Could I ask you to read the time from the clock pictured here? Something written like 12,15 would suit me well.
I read 4,33
